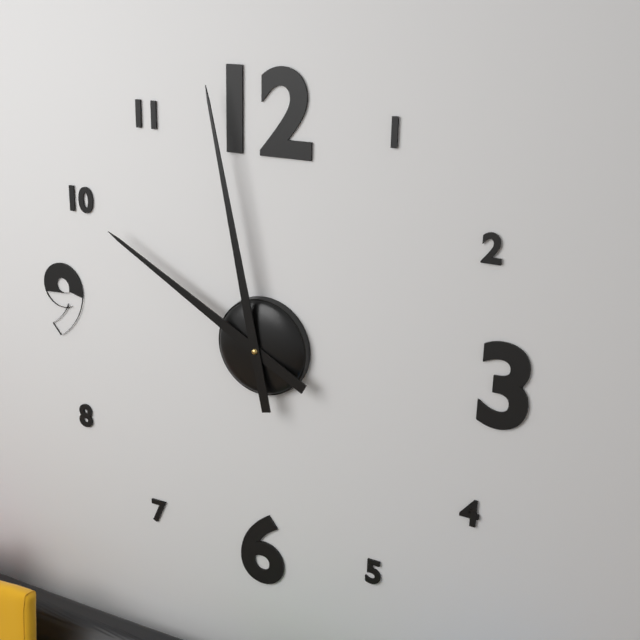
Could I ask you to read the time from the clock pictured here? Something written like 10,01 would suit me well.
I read 9,58
